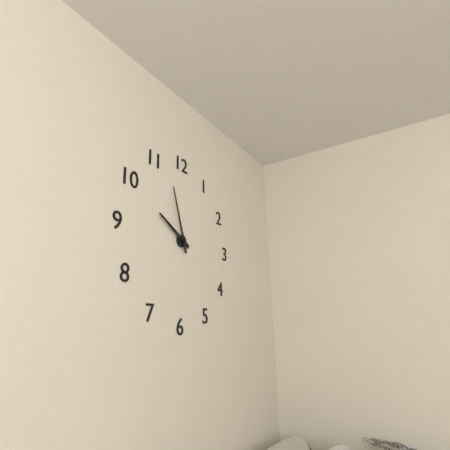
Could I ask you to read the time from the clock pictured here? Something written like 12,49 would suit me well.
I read 9,57
